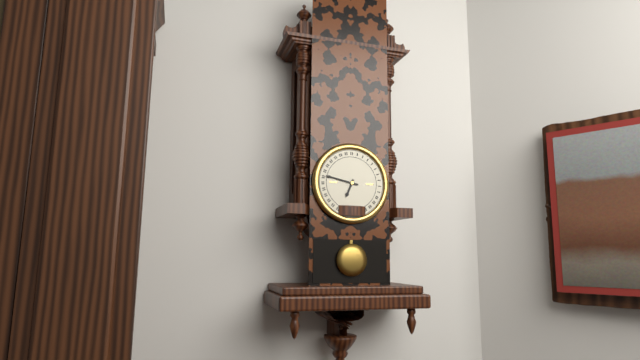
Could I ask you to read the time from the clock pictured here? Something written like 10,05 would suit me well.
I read 6,47
